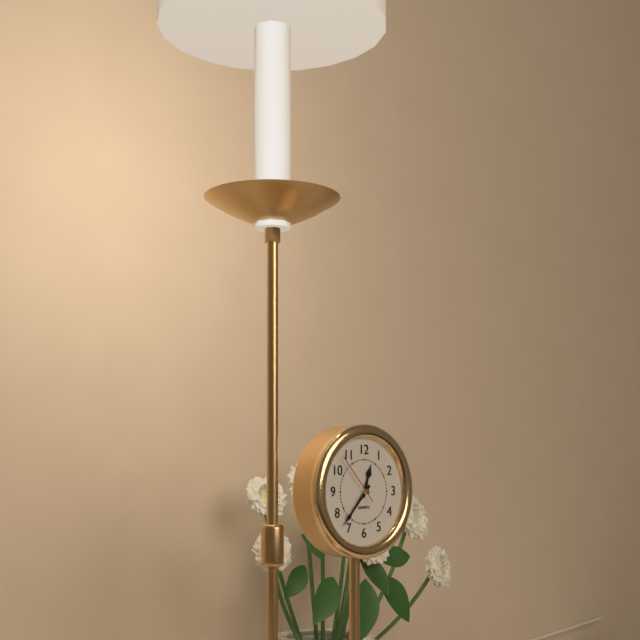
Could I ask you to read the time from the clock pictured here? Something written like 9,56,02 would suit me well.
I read 12,37,53
